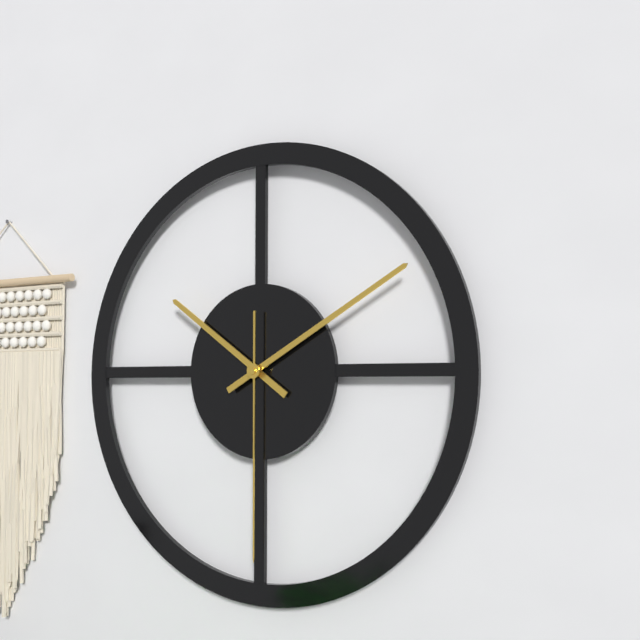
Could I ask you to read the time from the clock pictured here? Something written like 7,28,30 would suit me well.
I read 10,10,30
